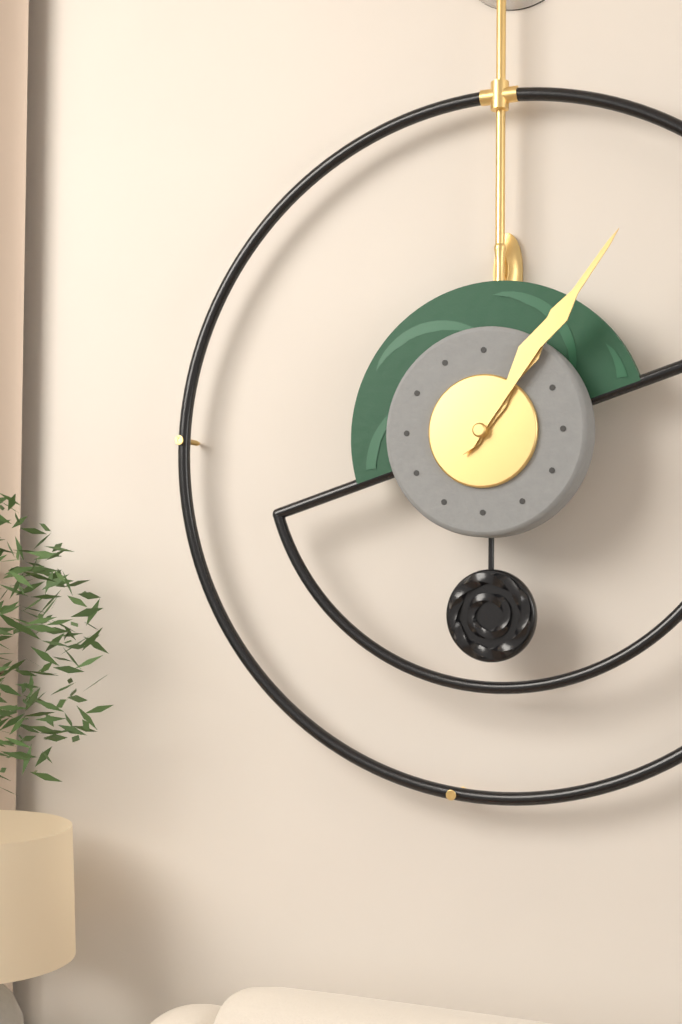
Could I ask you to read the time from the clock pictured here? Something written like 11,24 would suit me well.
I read 1,06
